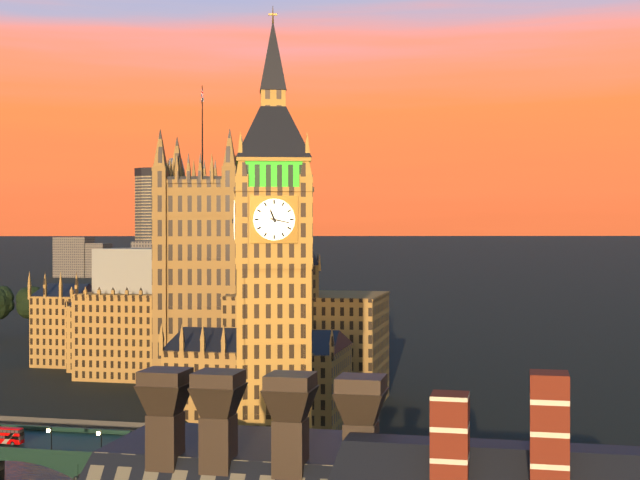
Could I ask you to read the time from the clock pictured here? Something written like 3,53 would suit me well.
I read 11,17
